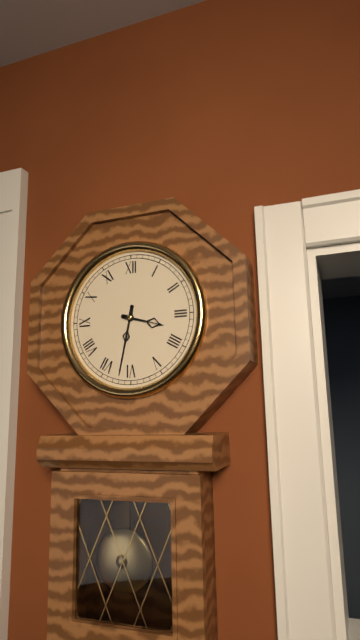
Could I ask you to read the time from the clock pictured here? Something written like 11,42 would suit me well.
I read 3,32
